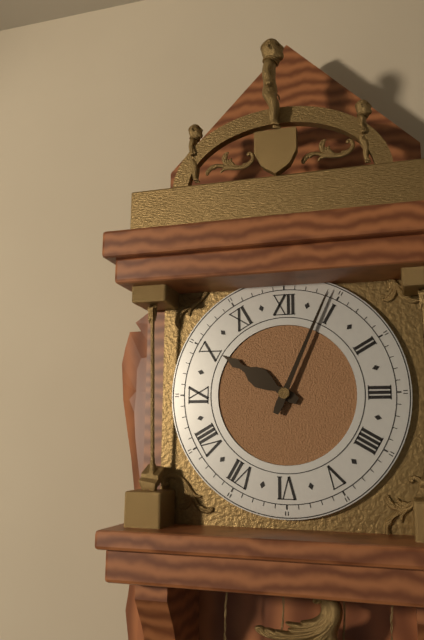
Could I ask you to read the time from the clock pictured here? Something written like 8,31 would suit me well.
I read 10,04
